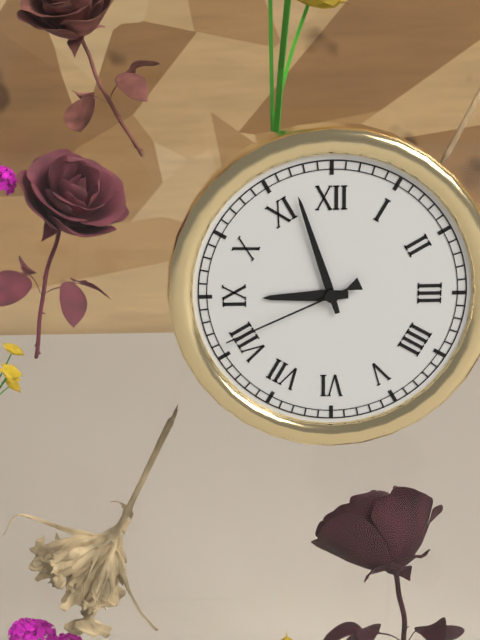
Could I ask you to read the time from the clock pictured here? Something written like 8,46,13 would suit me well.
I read 8,57,41
